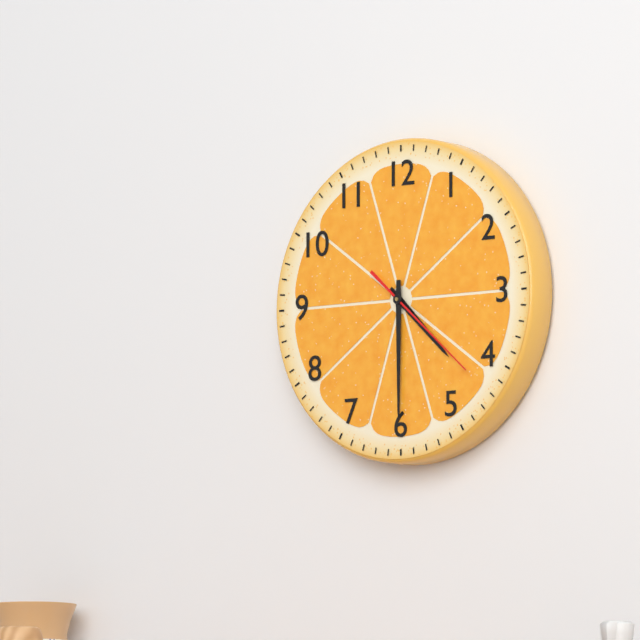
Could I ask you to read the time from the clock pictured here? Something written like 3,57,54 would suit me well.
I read 4,30,22
